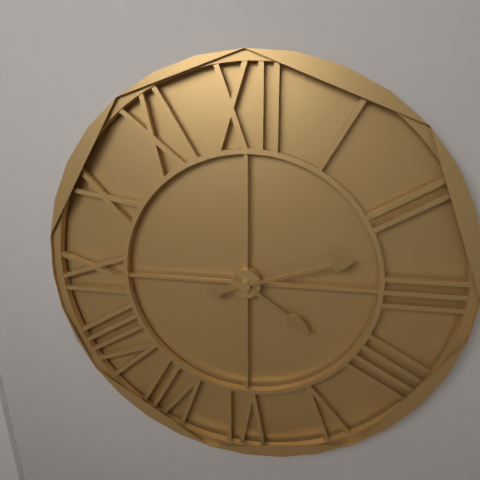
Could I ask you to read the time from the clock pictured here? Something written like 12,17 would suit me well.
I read 4,12
